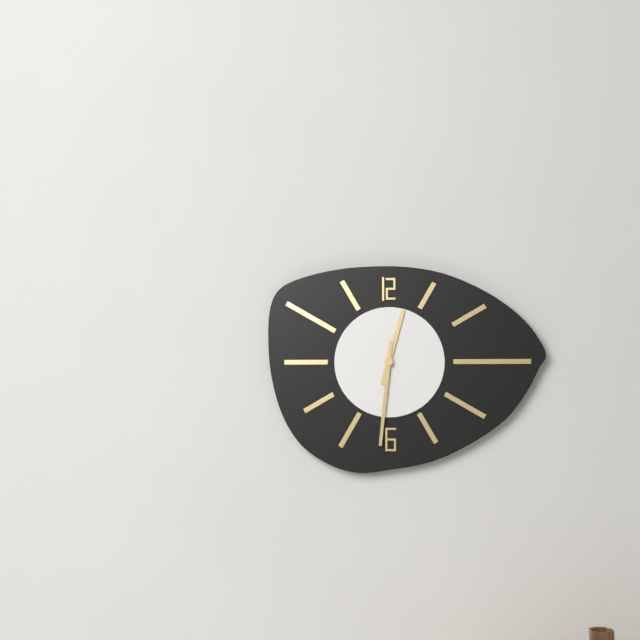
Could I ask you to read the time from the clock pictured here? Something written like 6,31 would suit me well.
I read 12,31
